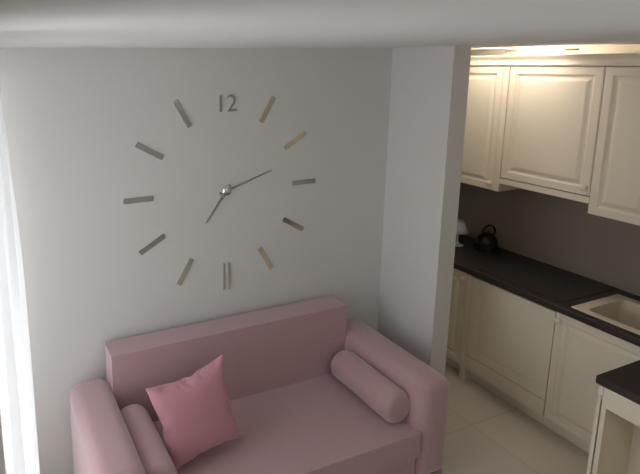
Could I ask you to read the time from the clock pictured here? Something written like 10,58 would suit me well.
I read 7,12
